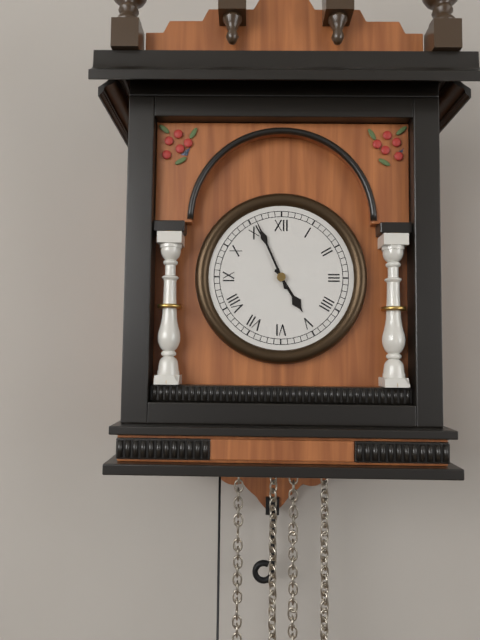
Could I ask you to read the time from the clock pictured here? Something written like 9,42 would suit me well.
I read 4,56
